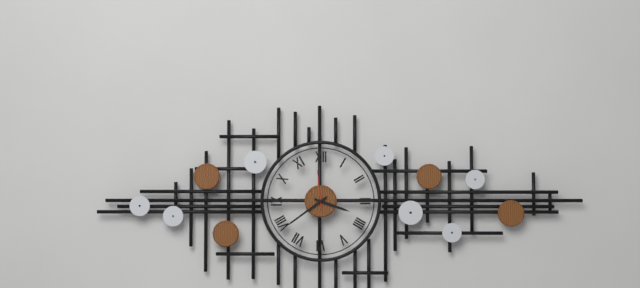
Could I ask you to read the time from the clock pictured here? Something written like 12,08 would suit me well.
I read 3,39
